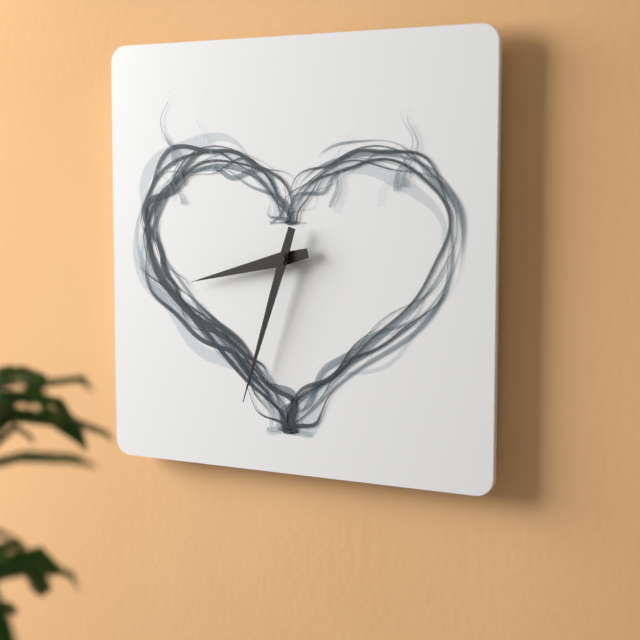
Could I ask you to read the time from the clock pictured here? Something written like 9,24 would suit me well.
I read 8,33
